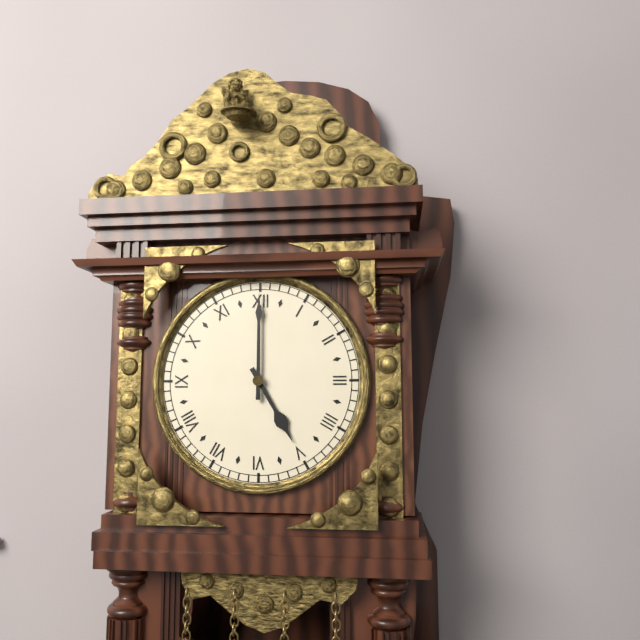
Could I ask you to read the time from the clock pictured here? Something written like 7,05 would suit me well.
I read 5,00
